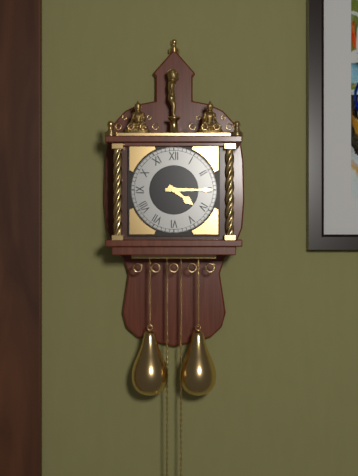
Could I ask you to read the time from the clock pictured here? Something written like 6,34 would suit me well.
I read 4,15
